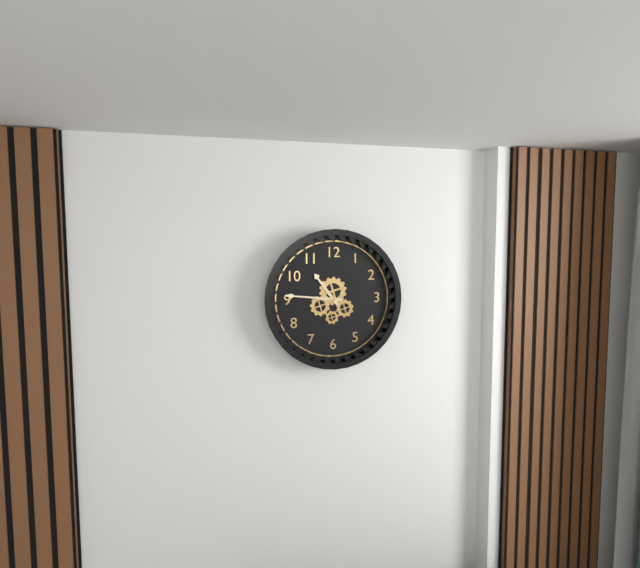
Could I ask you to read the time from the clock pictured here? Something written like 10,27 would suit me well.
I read 10,46
